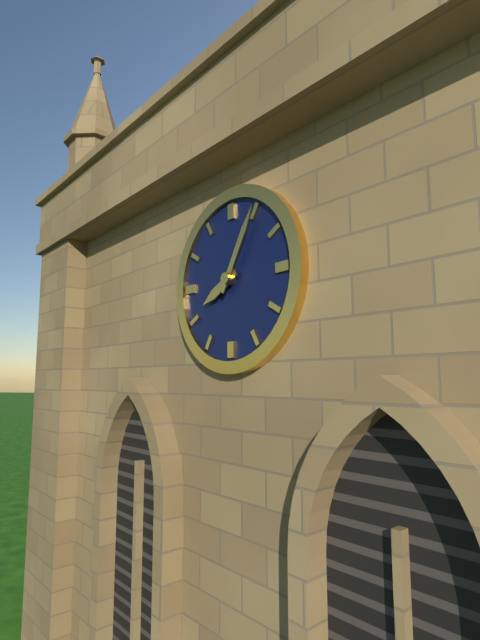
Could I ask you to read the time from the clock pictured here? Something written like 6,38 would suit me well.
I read 8,05
